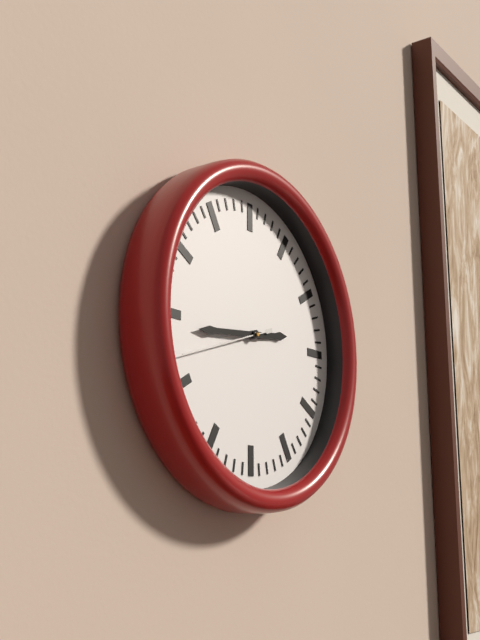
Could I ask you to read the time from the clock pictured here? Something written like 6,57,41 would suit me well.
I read 2,44,42
